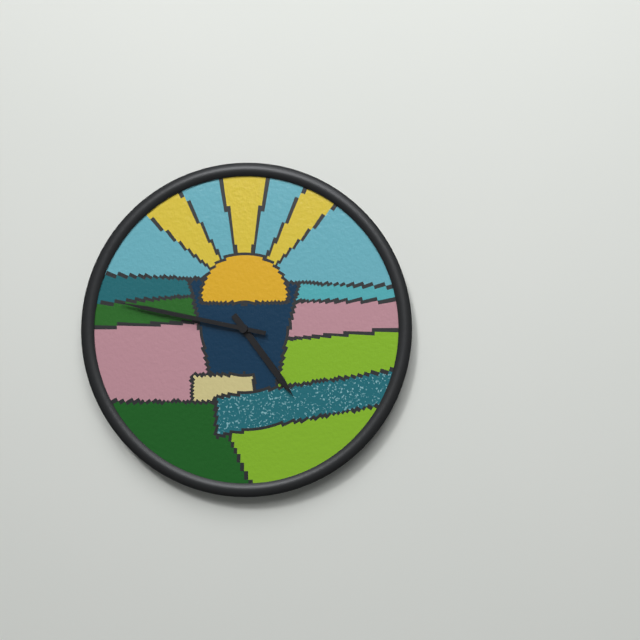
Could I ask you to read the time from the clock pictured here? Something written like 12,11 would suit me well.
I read 4,47
